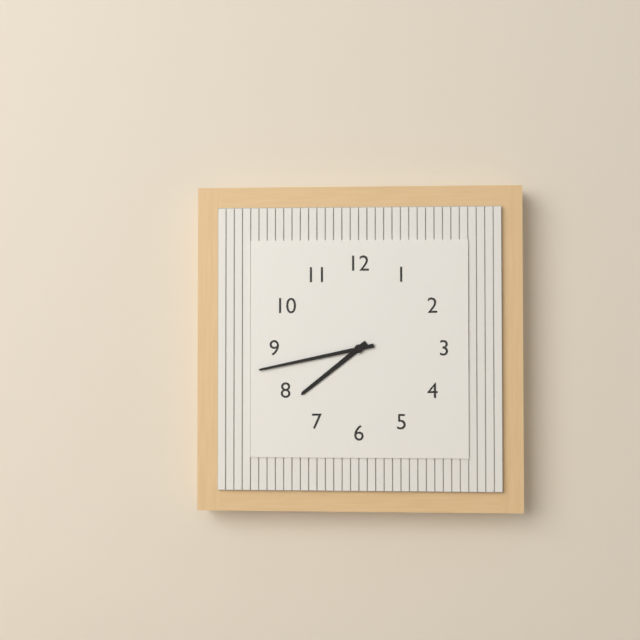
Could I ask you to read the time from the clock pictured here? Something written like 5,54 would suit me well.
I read 7,43
